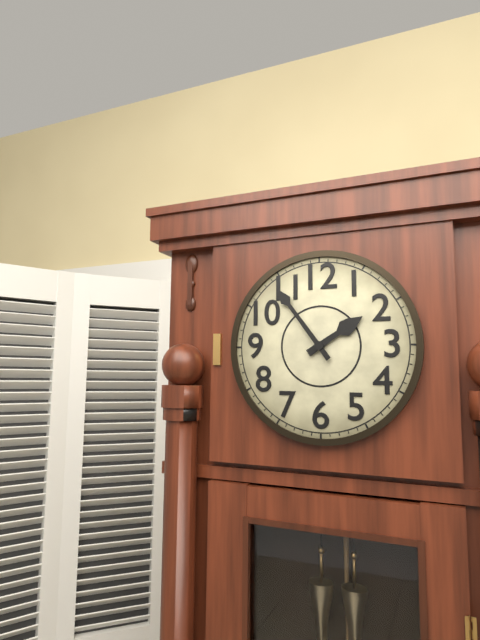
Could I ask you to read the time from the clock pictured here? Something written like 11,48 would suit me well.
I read 1,54
